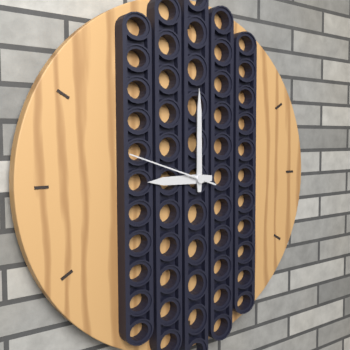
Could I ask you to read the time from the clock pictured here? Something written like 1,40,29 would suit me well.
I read 9,00,48
